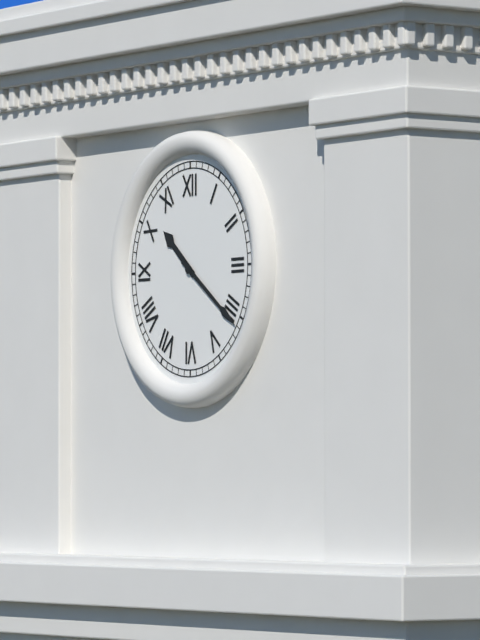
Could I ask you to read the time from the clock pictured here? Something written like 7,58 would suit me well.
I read 10,21
